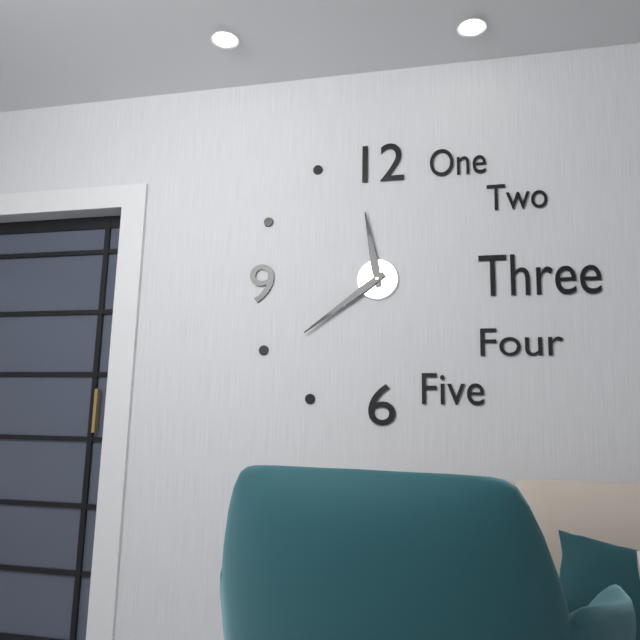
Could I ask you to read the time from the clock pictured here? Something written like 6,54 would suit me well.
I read 11,39
